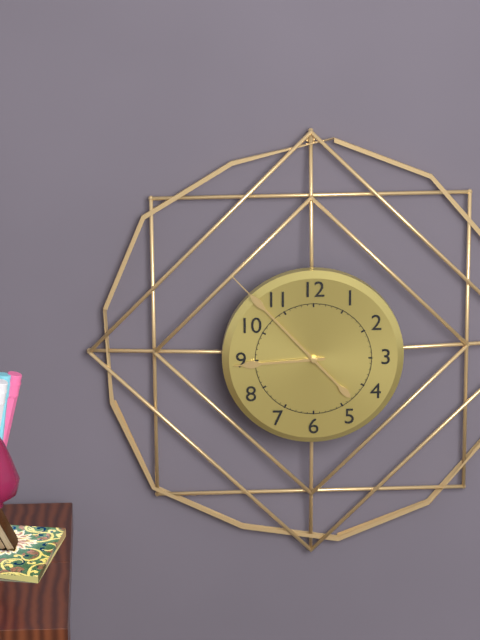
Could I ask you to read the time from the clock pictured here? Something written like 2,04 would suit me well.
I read 8,53
